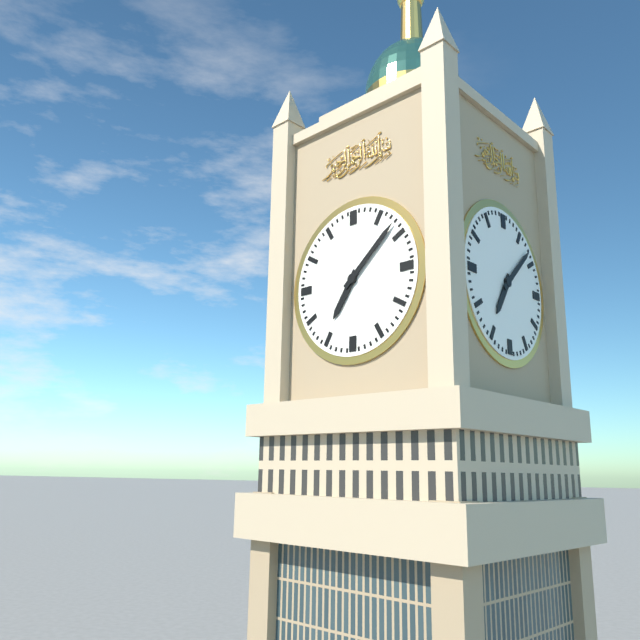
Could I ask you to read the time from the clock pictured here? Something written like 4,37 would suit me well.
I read 7,08
